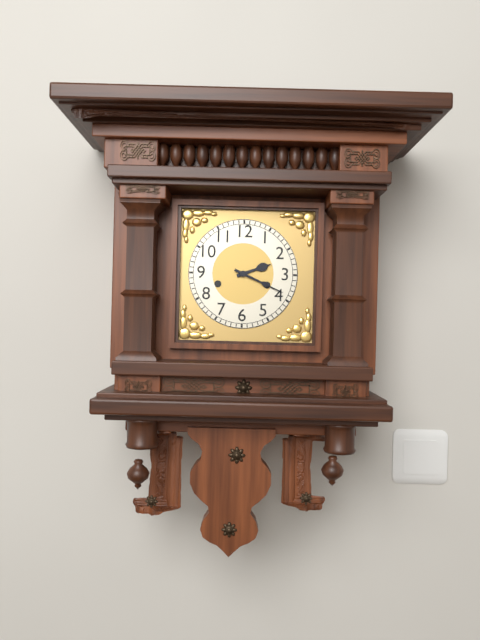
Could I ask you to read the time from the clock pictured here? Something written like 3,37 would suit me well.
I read 2,19
